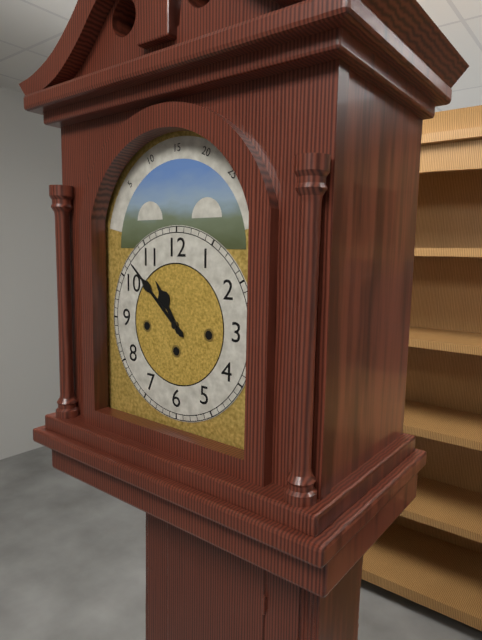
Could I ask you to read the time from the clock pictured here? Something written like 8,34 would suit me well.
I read 10,52
